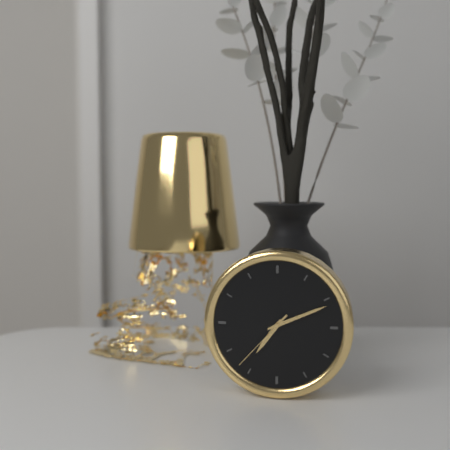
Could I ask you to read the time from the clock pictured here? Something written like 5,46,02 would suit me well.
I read 7,11,37
